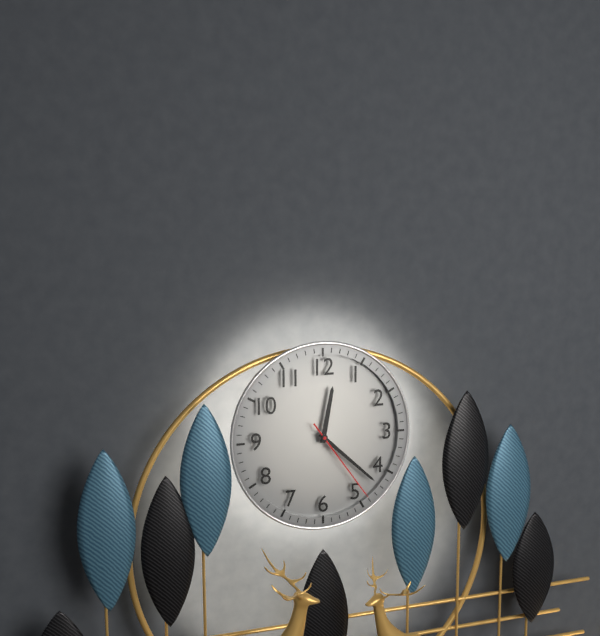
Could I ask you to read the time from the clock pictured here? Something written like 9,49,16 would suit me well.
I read 12,22,24
